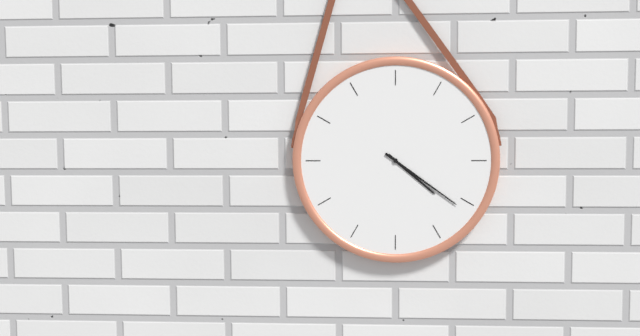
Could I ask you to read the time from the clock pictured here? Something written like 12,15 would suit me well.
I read 4,21
